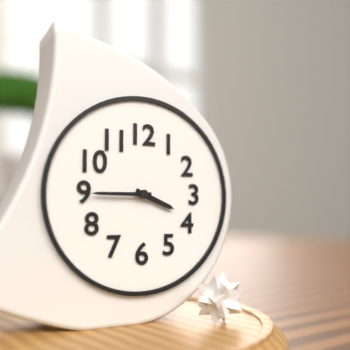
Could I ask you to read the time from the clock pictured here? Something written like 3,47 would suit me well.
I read 3,45
